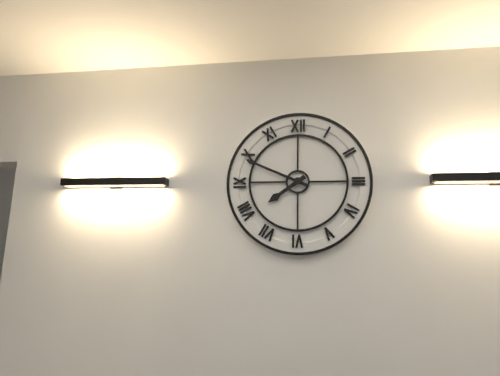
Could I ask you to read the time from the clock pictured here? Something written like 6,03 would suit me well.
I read 7,49
